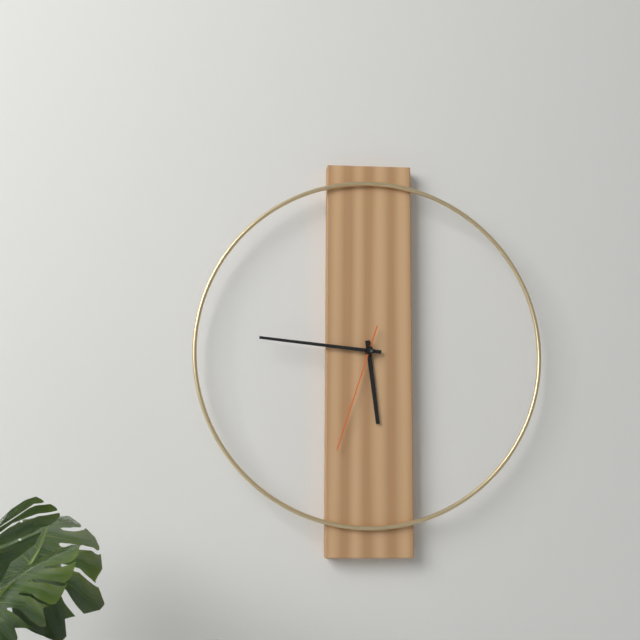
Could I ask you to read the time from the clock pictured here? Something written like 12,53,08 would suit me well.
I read 5,46,33
